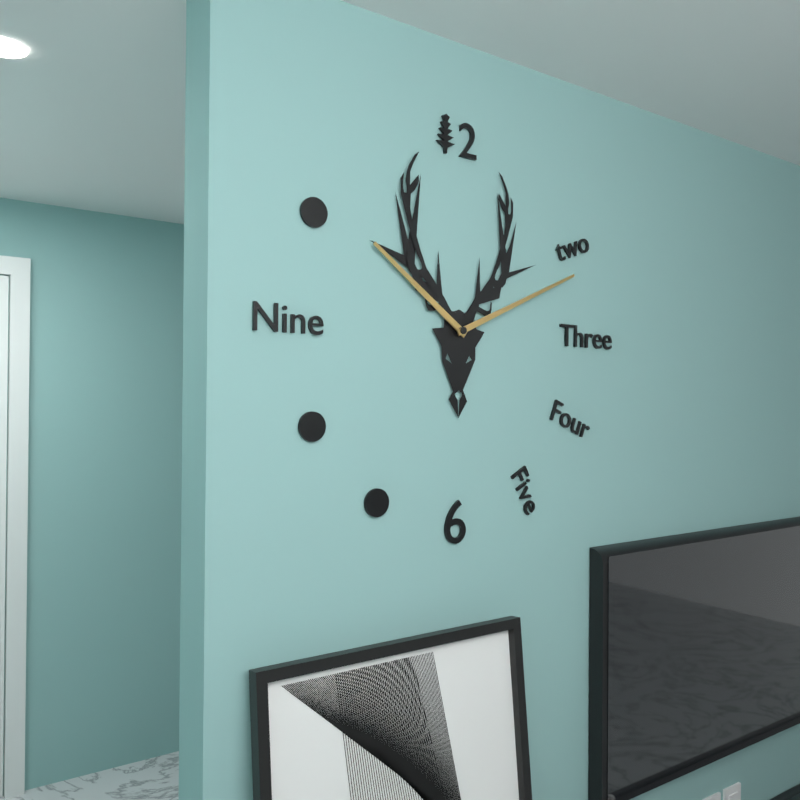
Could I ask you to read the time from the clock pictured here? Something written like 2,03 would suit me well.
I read 10,11
